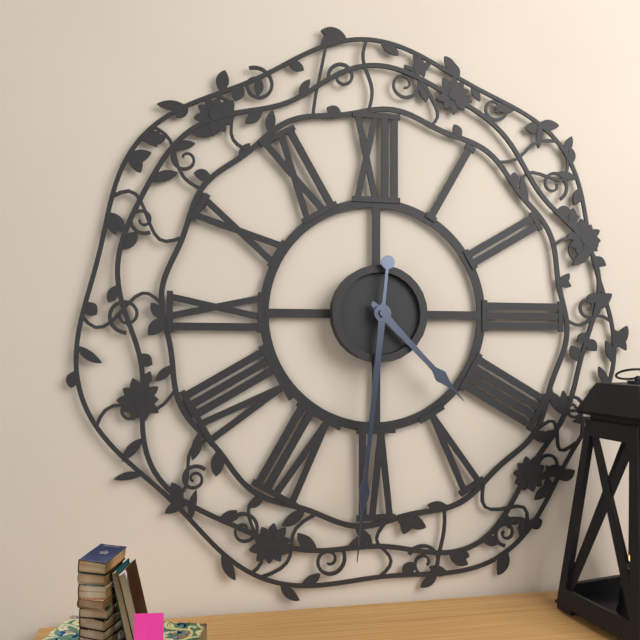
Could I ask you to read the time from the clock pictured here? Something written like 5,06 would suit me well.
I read 4,31
